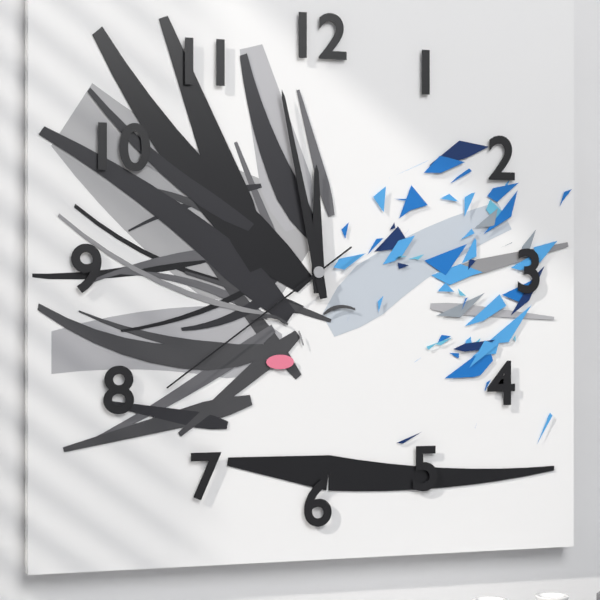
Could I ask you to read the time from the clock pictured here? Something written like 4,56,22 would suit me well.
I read 11,58,39
